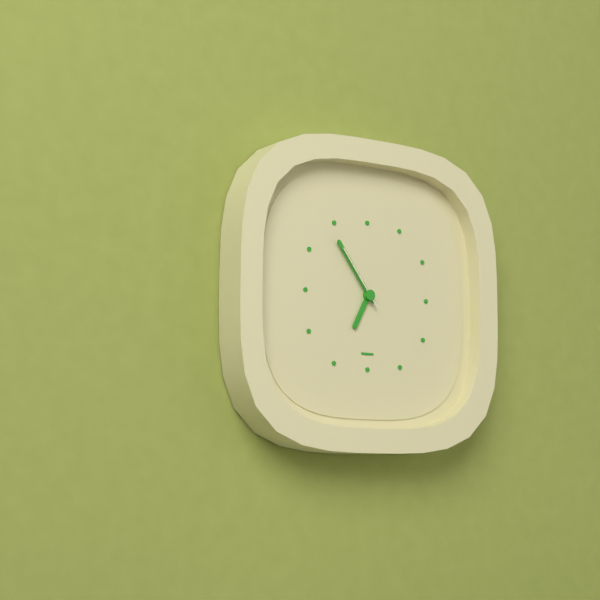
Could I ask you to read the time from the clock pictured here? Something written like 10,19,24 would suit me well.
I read 6,54,54
